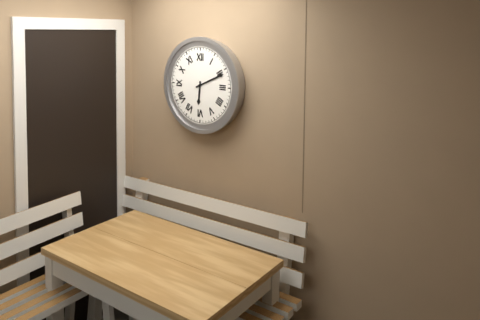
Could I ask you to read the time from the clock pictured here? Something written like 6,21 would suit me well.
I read 6,11
